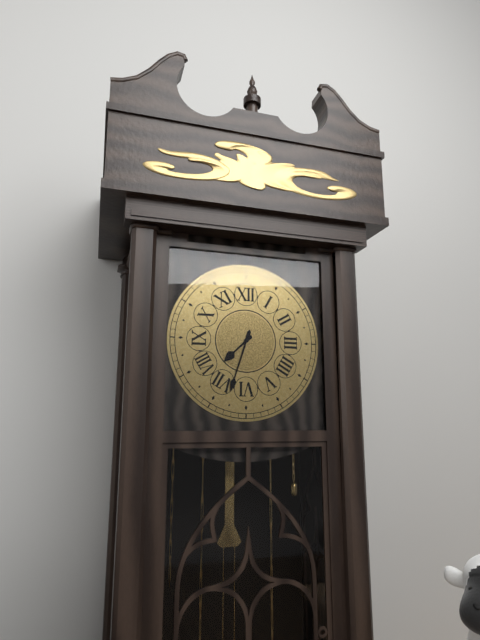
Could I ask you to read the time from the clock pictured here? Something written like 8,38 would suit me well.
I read 7,33
